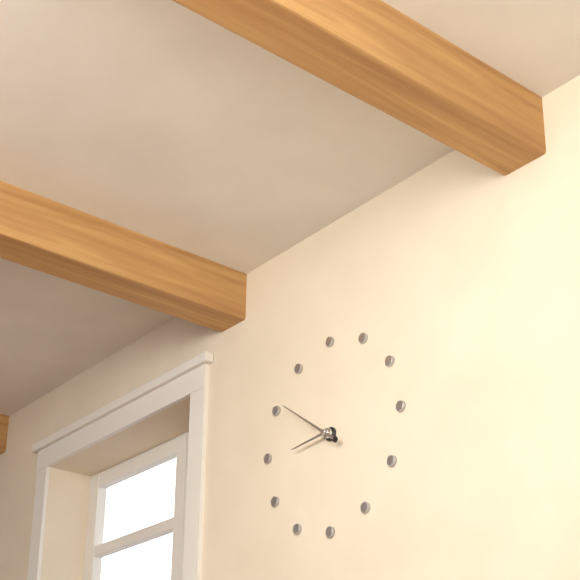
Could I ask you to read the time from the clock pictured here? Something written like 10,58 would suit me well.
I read 8,51
